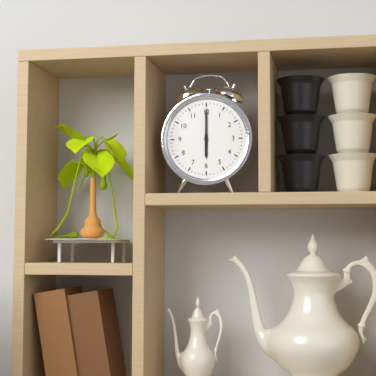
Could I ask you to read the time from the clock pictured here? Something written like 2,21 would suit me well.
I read 6,00
